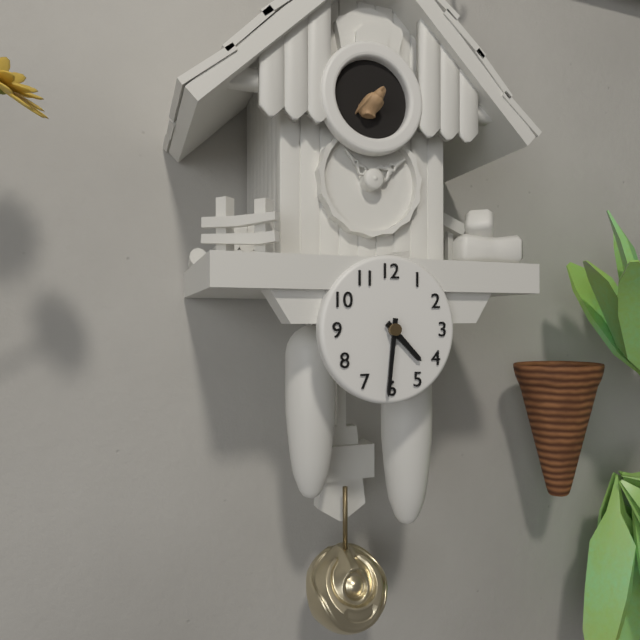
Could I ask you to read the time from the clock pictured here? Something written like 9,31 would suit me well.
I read 4,31
